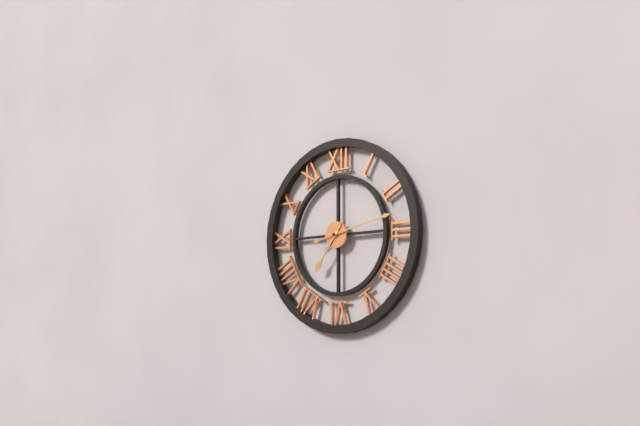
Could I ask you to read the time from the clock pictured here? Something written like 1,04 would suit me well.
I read 7,13
